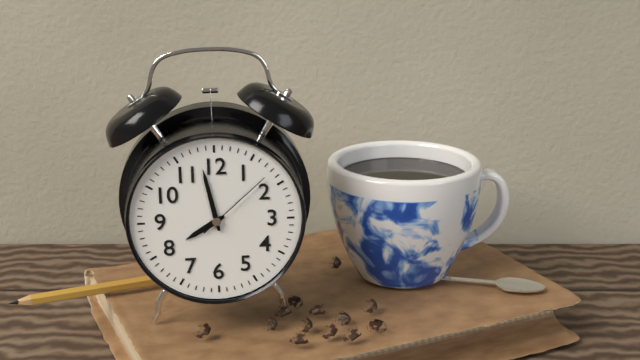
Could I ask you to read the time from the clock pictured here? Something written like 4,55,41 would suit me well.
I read 7,58,08
